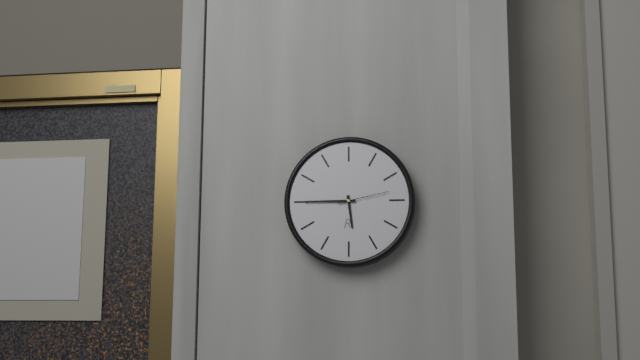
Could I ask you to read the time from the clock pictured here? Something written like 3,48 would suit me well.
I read 5,45
